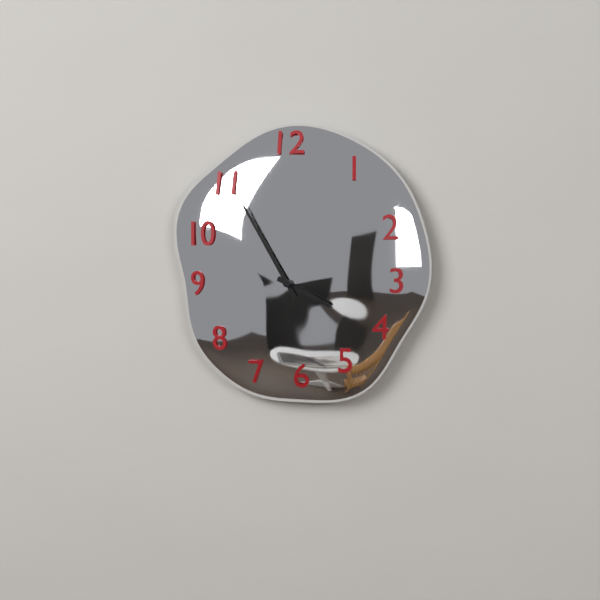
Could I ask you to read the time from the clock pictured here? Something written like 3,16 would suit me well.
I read 3,55
